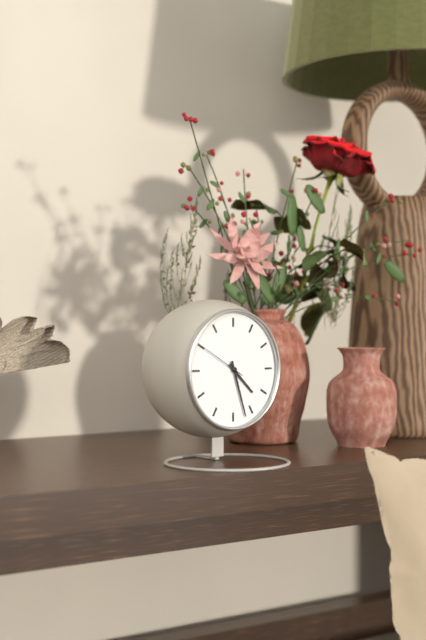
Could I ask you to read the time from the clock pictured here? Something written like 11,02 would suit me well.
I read 4,27
